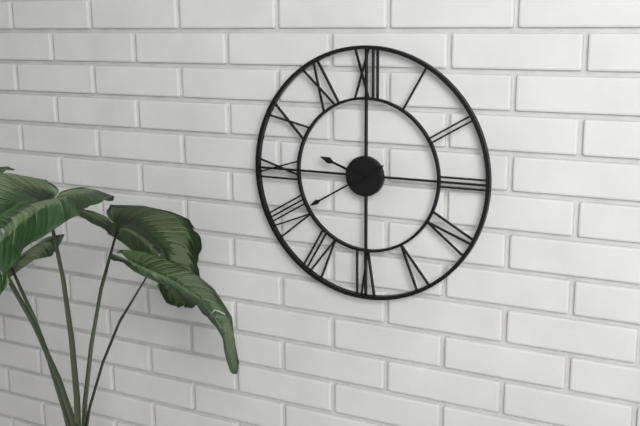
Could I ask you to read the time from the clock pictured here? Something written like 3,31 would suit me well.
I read 9,40
